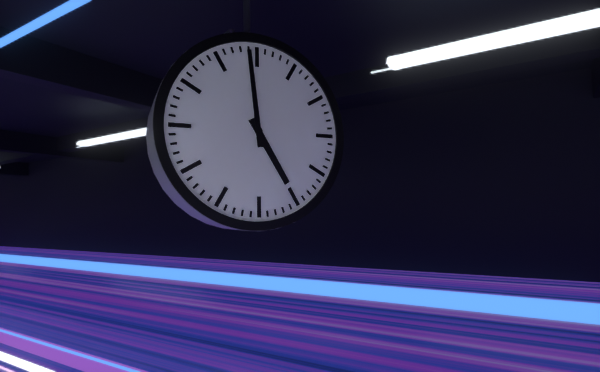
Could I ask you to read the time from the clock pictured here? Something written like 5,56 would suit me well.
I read 4,59
